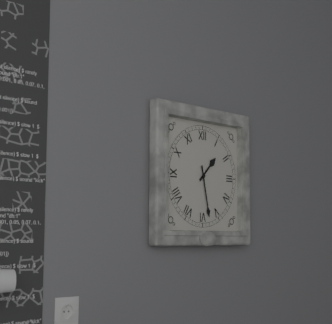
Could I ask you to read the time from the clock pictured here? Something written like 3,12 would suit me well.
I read 1,28
